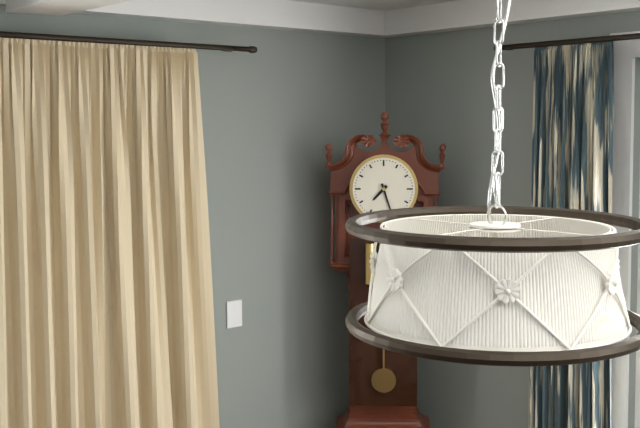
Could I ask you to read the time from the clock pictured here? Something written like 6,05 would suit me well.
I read 7,27
